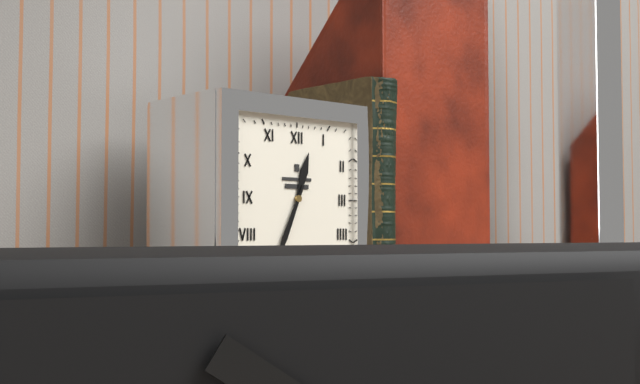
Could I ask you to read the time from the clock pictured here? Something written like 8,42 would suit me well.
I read 12,34
